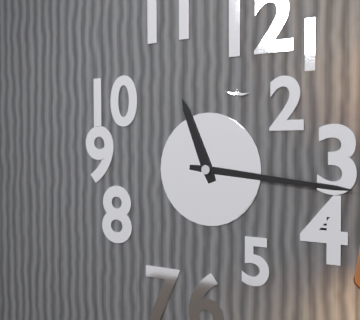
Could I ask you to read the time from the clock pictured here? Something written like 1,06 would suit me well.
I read 11,16
